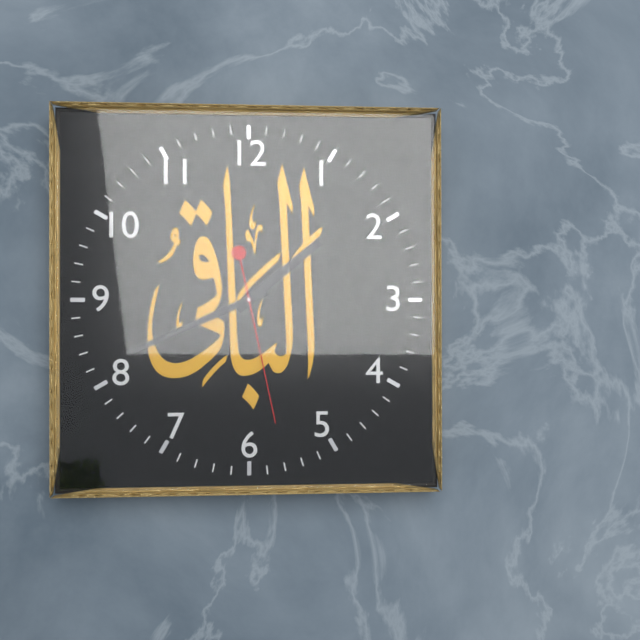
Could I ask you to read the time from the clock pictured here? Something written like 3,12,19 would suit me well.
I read 1,41,28
